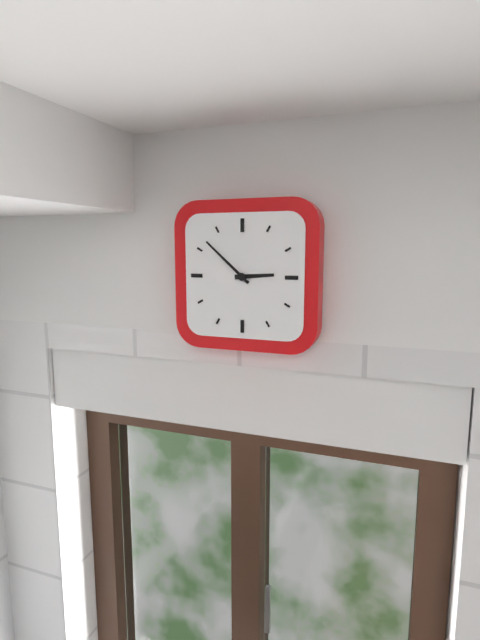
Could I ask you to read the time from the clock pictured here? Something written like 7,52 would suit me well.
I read 2,52
